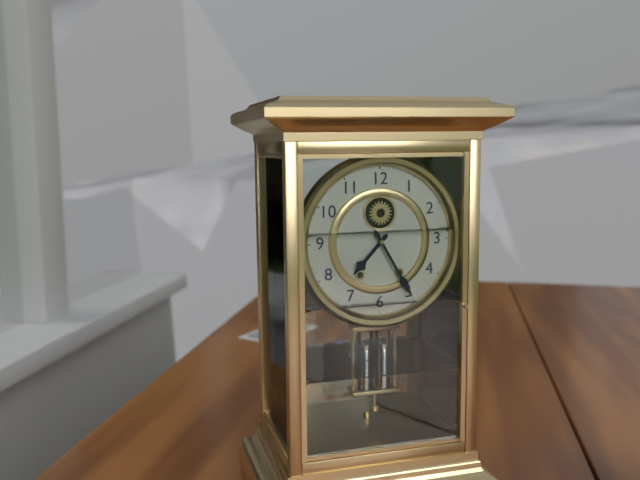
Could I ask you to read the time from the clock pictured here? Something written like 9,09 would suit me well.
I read 7,25
